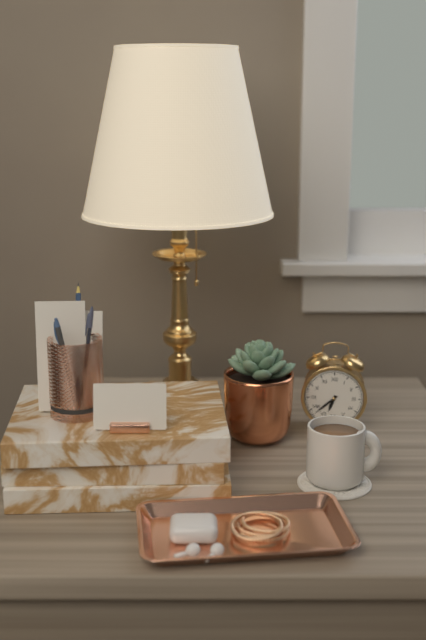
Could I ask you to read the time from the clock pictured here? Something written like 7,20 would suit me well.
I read 6,38
